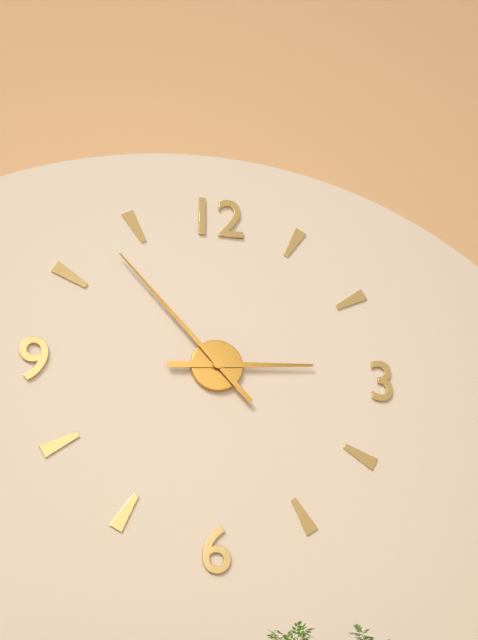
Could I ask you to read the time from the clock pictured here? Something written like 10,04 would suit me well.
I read 2,53
